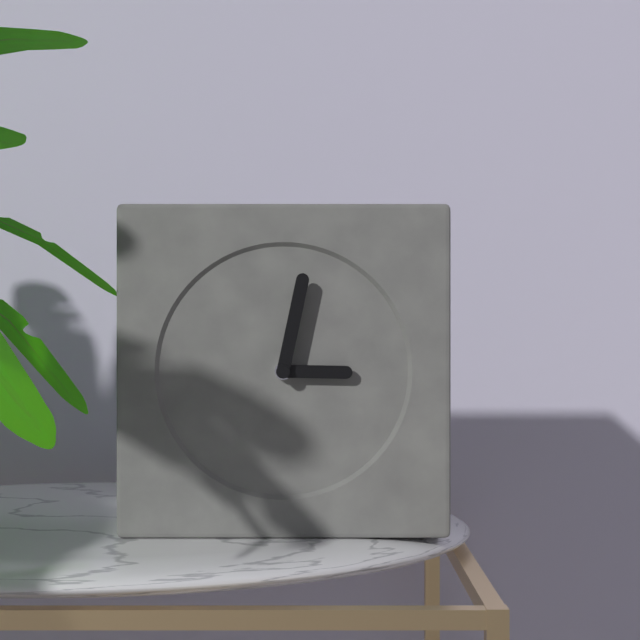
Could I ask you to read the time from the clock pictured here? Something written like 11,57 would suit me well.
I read 3,02
